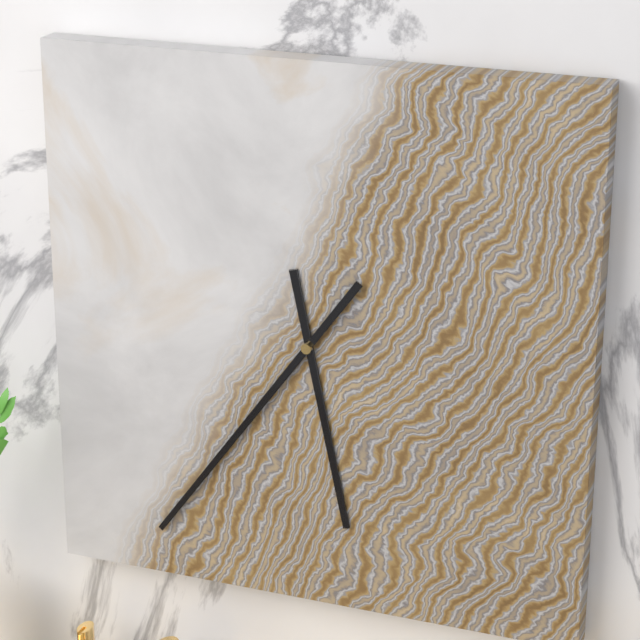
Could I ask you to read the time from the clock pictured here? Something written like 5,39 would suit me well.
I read 5,36
